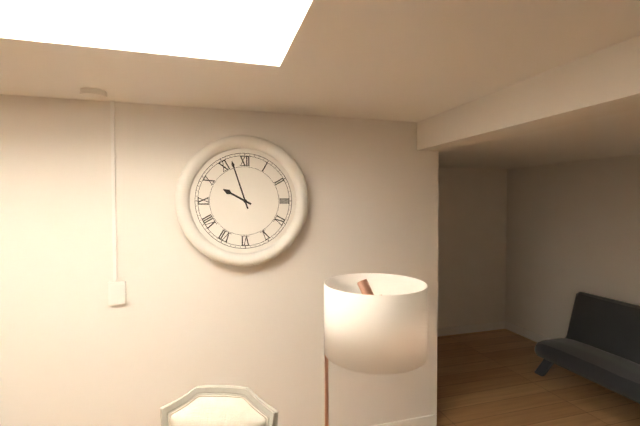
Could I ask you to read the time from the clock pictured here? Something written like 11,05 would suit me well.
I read 9,57
